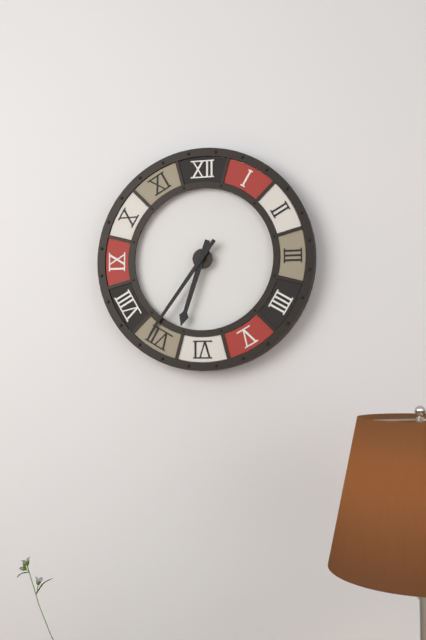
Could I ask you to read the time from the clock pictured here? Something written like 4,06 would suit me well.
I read 6,36
